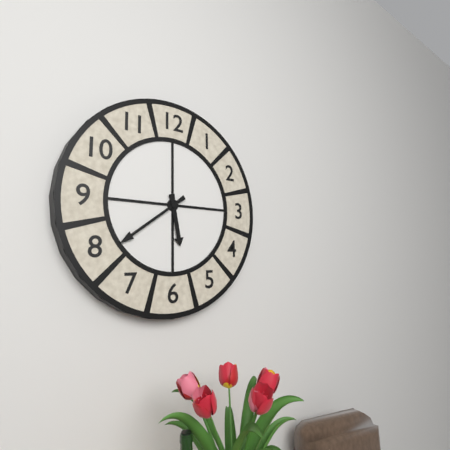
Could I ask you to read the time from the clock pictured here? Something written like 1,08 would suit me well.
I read 5,39
